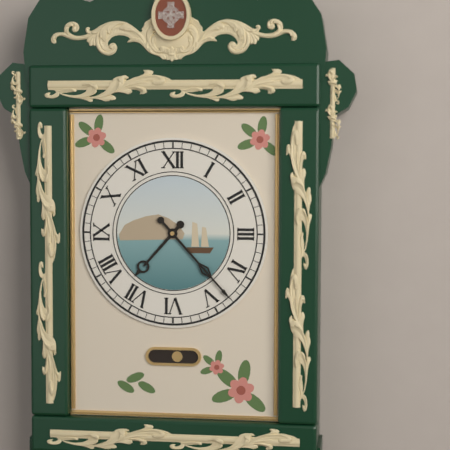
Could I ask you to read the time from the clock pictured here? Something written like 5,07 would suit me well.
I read 7,23
